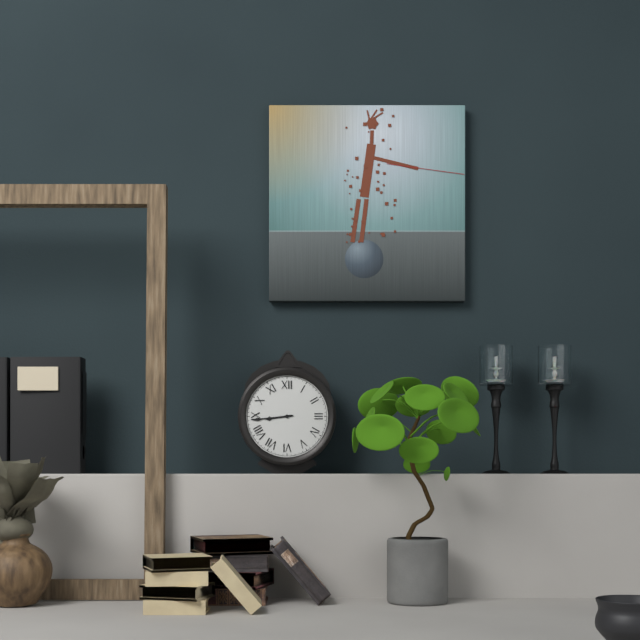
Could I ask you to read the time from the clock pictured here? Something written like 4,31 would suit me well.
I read 8,44
